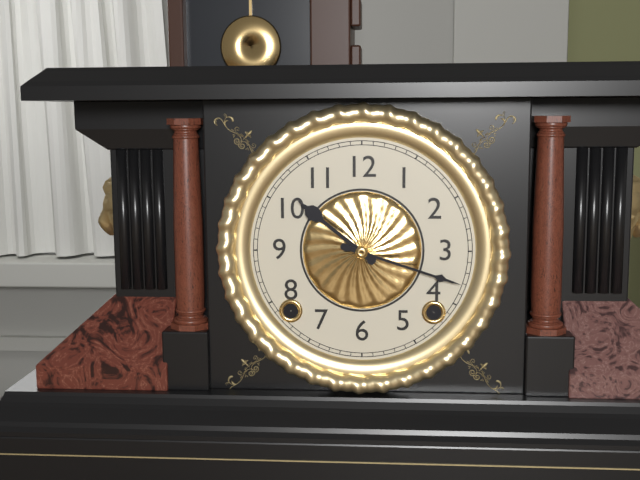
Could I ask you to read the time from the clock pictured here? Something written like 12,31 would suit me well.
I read 10,18
